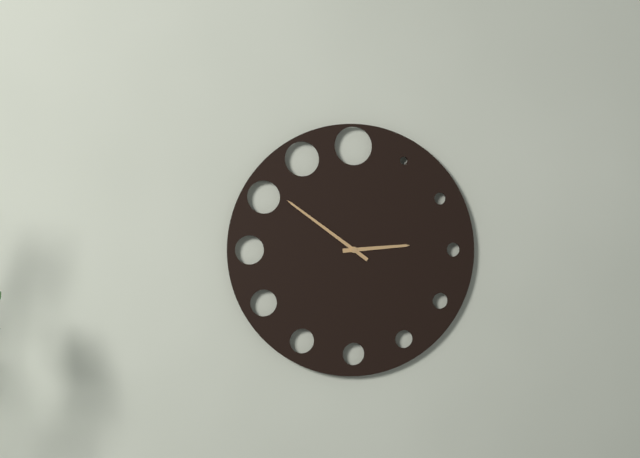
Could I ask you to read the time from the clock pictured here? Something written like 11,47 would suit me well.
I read 2,51
